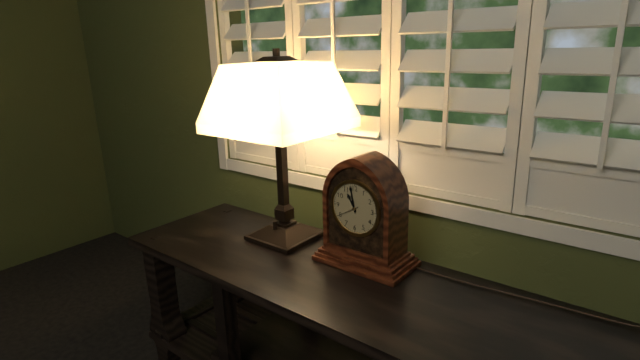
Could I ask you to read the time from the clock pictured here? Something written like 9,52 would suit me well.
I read 10,58
